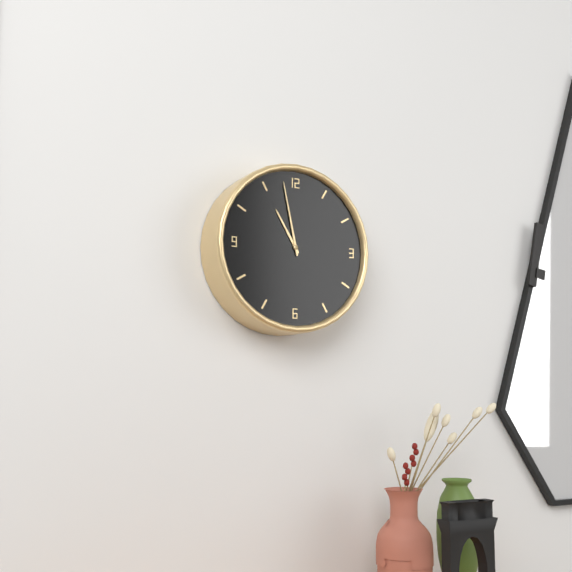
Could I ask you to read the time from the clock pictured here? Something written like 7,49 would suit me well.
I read 10,58
